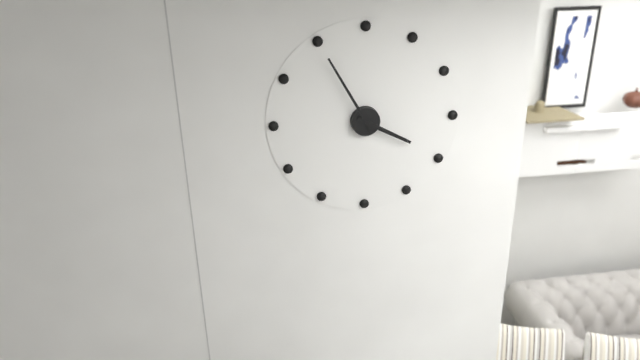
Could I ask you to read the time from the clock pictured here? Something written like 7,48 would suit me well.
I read 3,55
